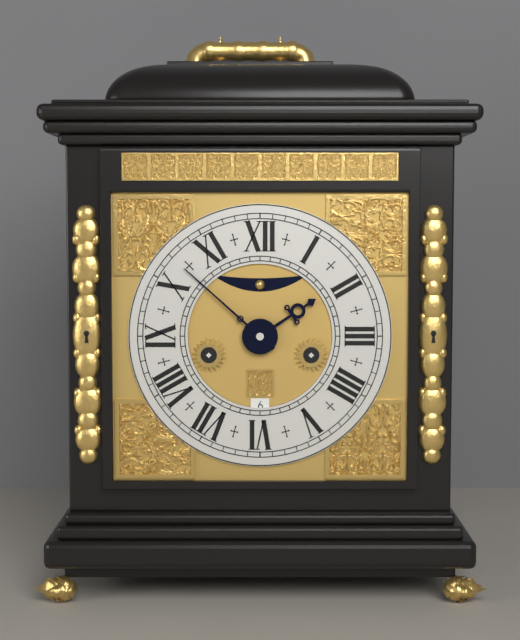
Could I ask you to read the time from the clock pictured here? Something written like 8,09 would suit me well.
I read 1,52
